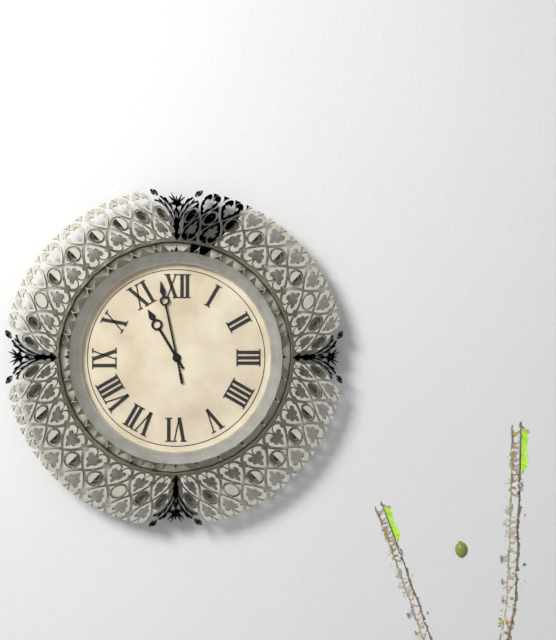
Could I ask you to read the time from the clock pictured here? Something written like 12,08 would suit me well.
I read 10,58
